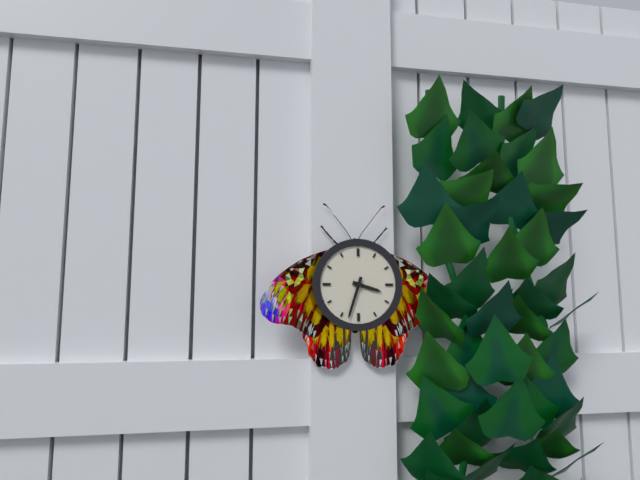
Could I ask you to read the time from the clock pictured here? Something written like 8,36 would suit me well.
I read 3,33
